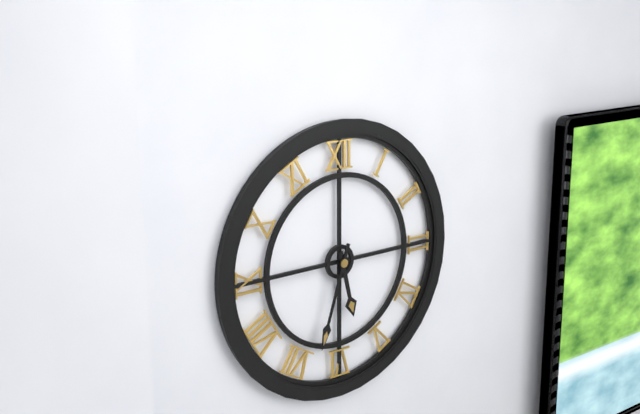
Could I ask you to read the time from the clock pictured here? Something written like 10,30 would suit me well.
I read 5,33
